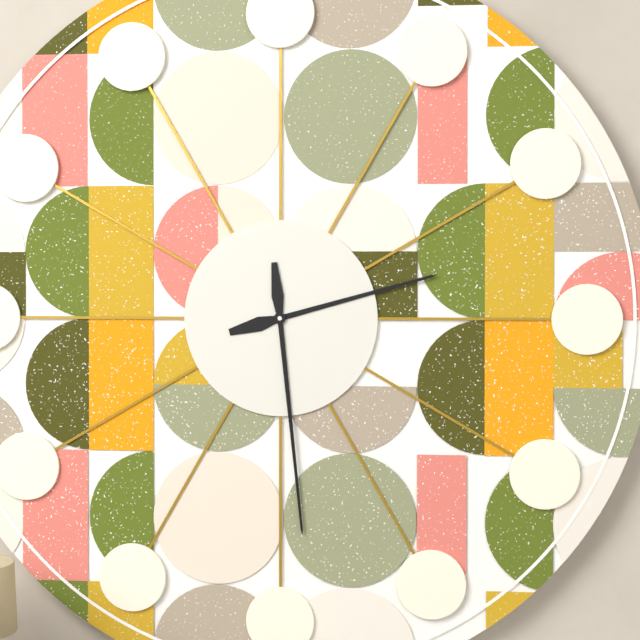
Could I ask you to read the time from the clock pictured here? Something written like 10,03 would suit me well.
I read 2,29
